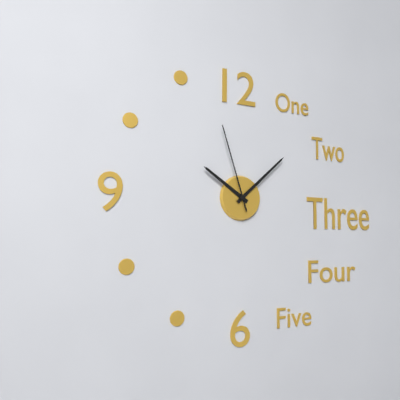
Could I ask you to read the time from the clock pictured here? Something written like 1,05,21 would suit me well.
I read 10,08,57
